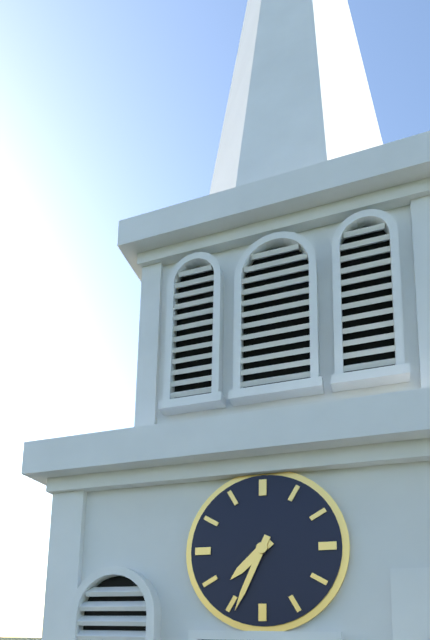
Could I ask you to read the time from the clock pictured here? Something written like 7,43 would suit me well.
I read 7,34
